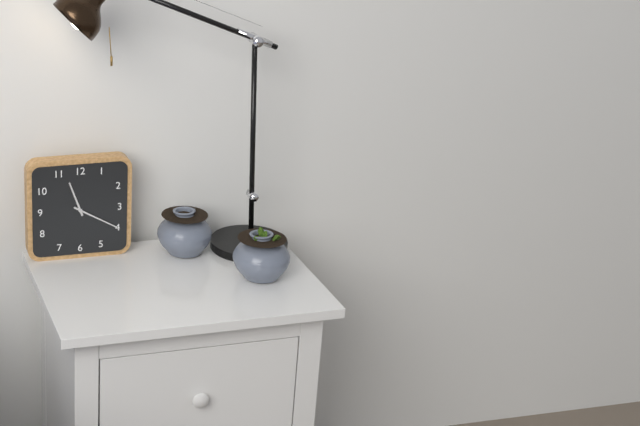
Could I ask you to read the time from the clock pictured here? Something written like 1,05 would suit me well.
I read 11,20
